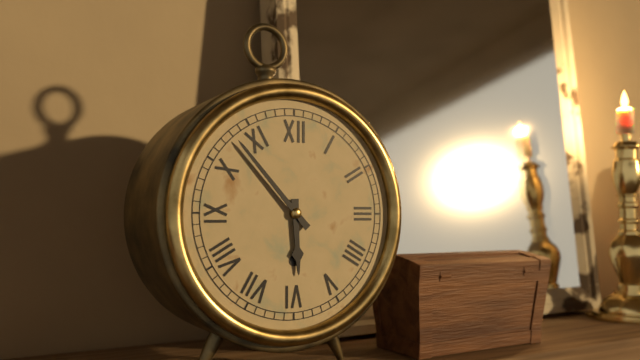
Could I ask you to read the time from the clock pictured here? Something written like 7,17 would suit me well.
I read 5,53
